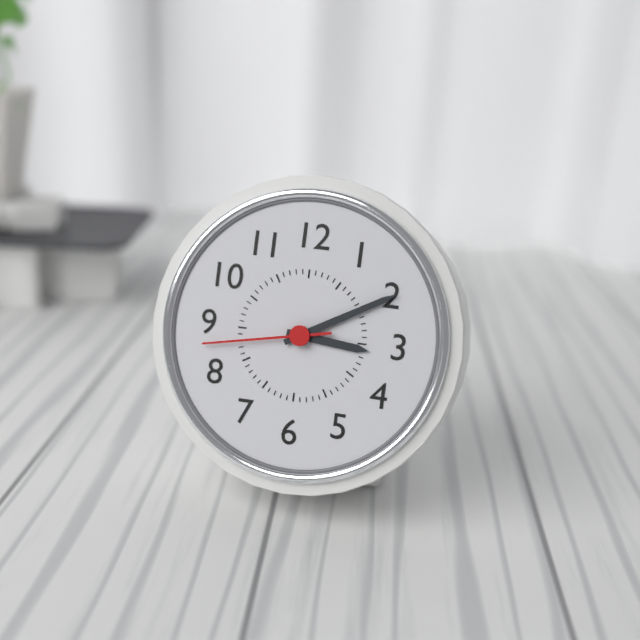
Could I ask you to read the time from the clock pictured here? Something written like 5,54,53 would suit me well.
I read 3,10,43
